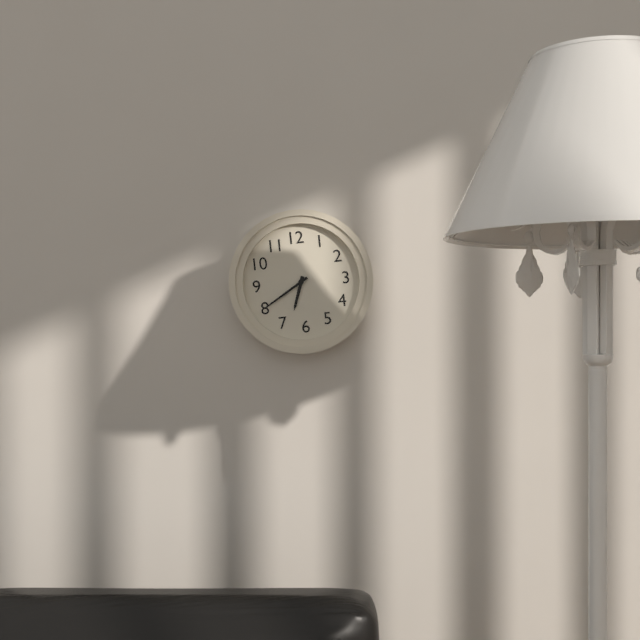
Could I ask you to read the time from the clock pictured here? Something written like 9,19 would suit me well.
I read 6,40
